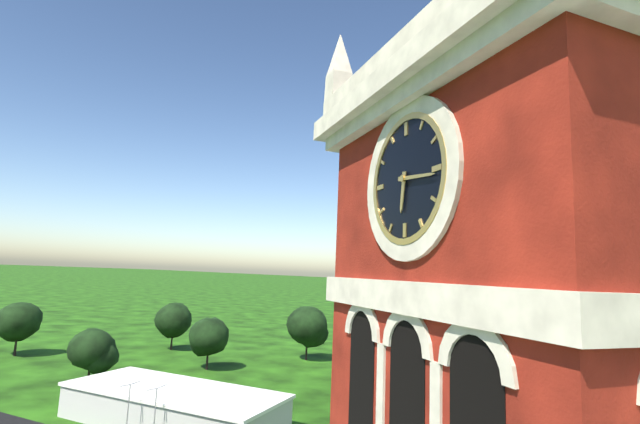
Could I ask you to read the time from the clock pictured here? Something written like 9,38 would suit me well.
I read 6,16
